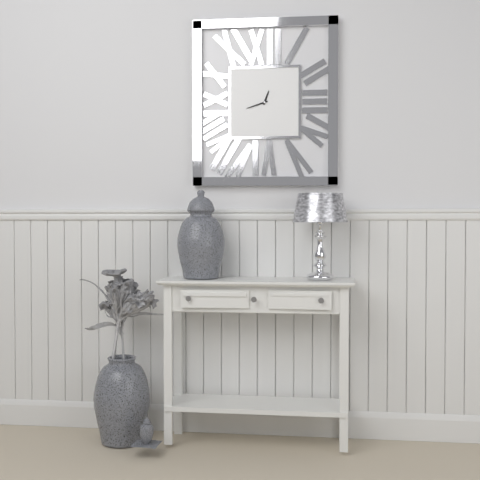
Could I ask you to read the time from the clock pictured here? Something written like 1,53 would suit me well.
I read 12,42
